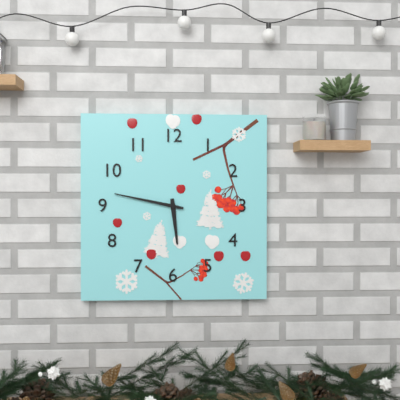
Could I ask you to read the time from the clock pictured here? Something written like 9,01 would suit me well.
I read 5,47
